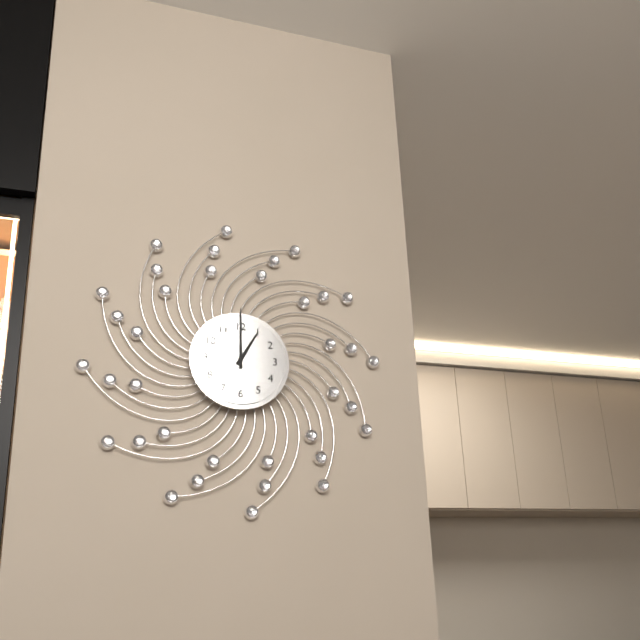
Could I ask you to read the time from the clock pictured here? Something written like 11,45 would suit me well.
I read 1,00
